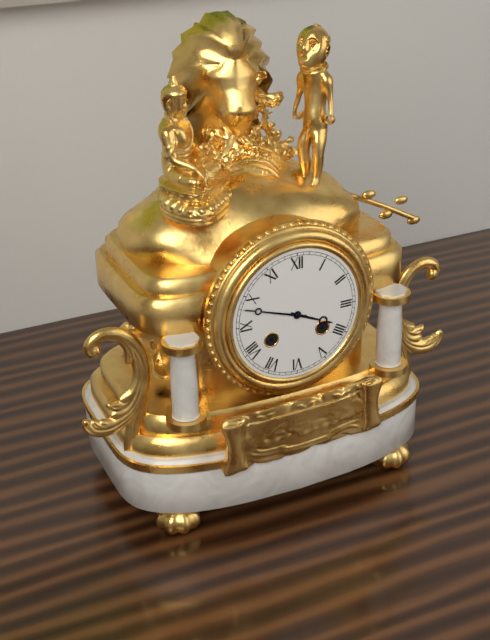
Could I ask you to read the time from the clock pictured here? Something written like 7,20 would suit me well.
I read 3,48
